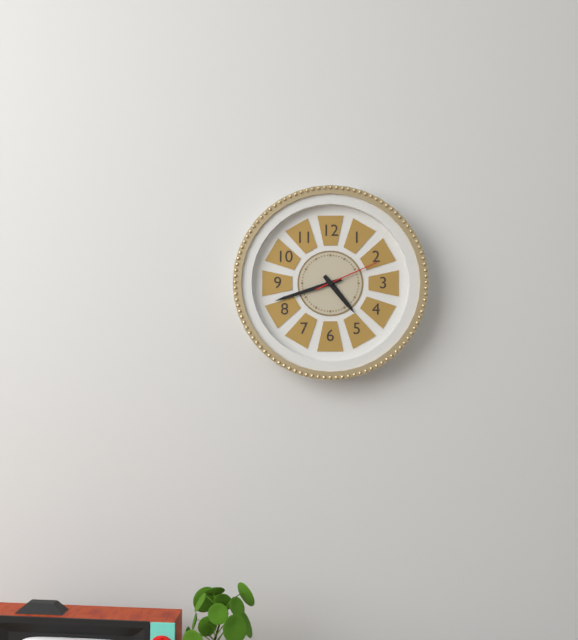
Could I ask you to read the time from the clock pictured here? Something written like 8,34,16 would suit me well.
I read 4,42,11
